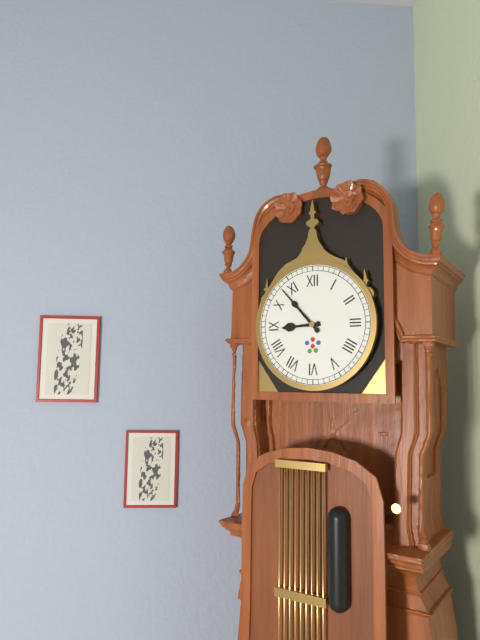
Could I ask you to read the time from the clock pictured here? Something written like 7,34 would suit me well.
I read 8,53
